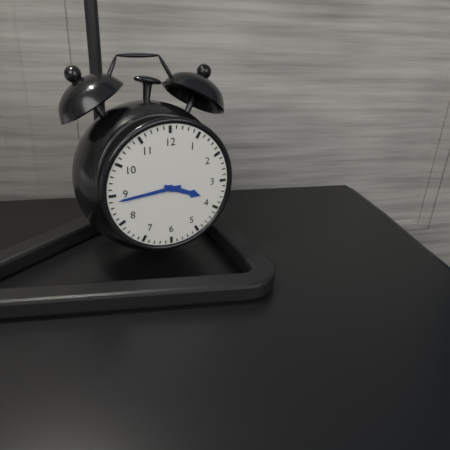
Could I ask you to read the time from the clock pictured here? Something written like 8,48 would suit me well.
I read 3,44
